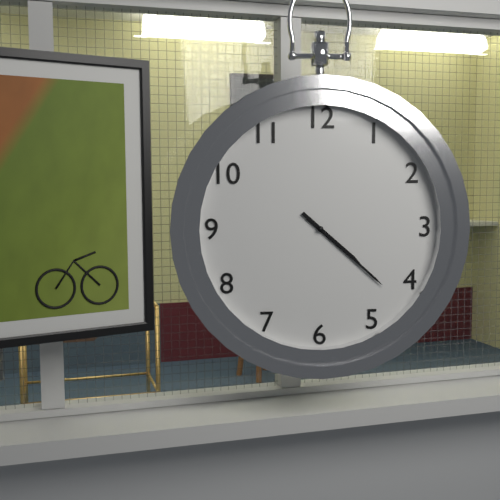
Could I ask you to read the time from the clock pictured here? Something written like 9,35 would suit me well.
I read 4,22
